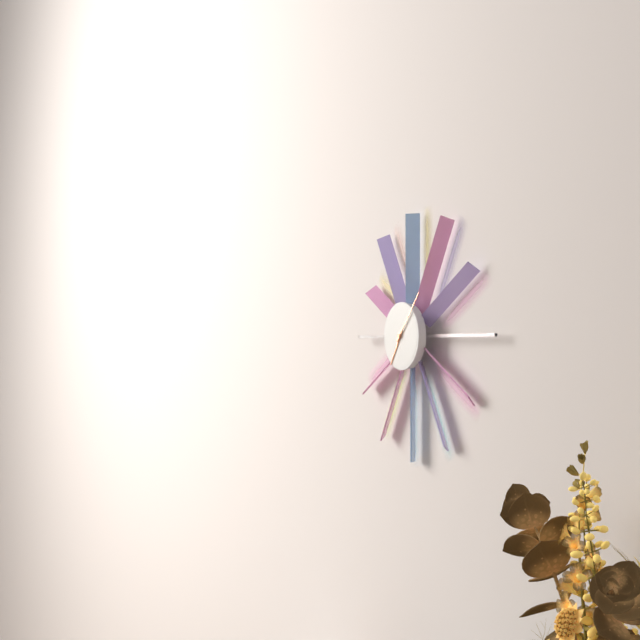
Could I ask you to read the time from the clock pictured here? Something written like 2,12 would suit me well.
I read 7,07
